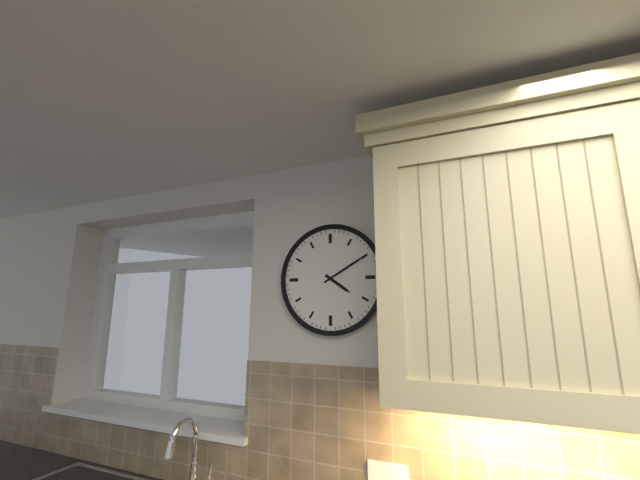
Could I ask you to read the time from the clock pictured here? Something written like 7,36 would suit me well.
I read 4,10
